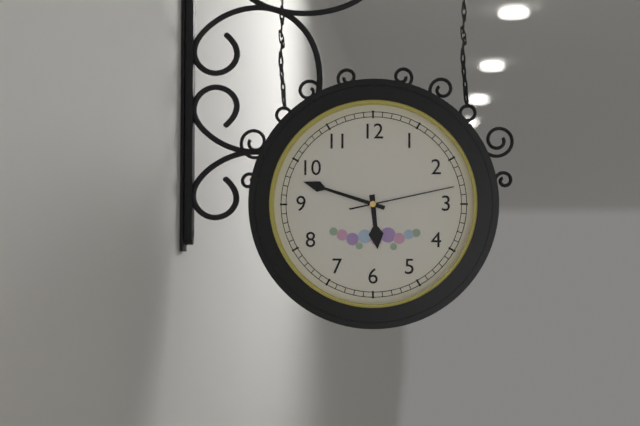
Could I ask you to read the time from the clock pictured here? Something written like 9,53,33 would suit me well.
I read 5,48,13
